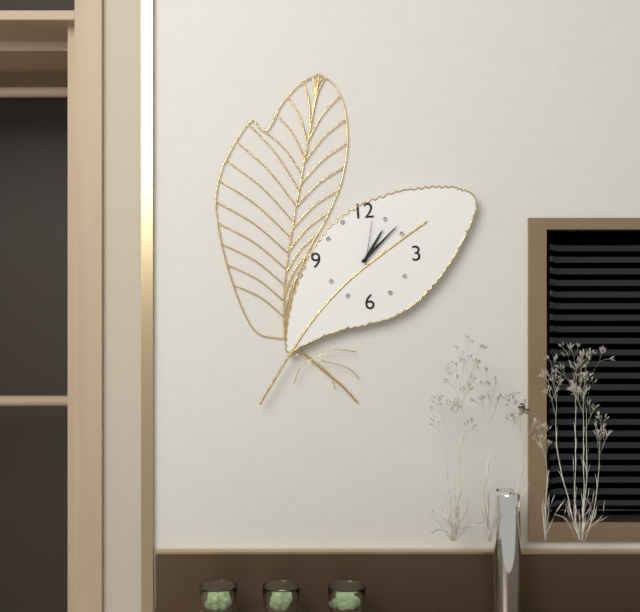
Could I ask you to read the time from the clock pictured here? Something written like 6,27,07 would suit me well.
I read 1,08,02
